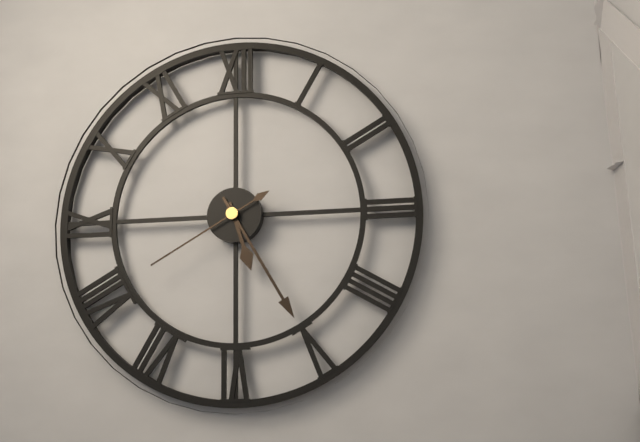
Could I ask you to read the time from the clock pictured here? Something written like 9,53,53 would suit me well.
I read 5,25,40
